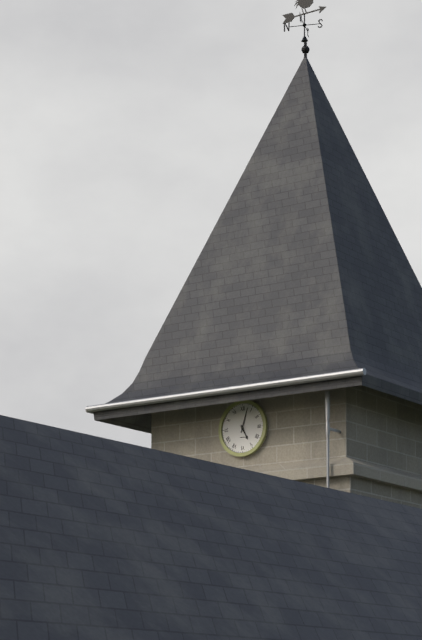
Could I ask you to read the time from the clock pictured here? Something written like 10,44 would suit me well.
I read 5,03
